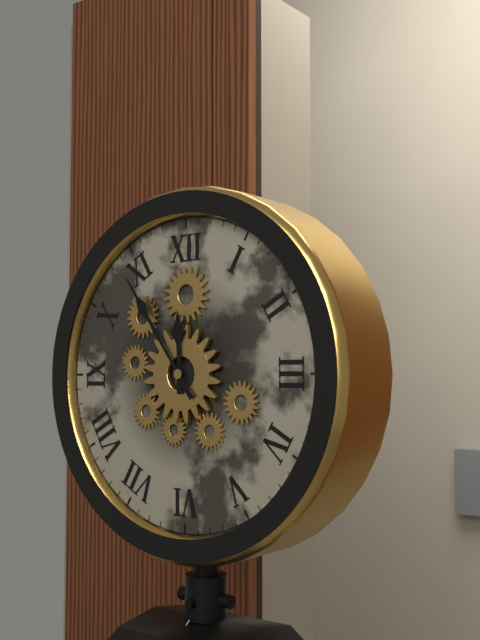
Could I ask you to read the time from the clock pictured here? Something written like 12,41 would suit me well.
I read 11,54
